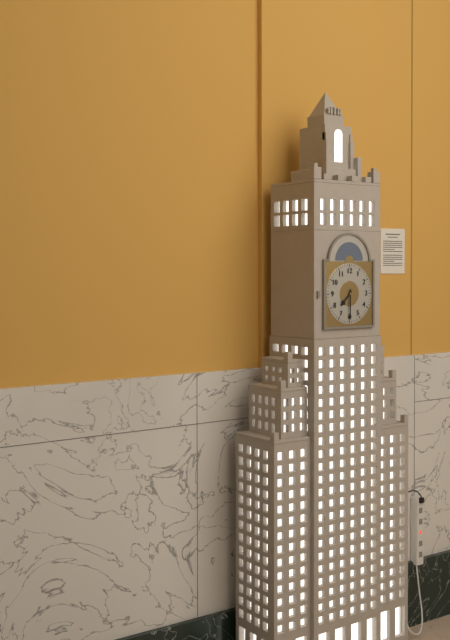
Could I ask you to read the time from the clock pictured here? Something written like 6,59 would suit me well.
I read 7,30
